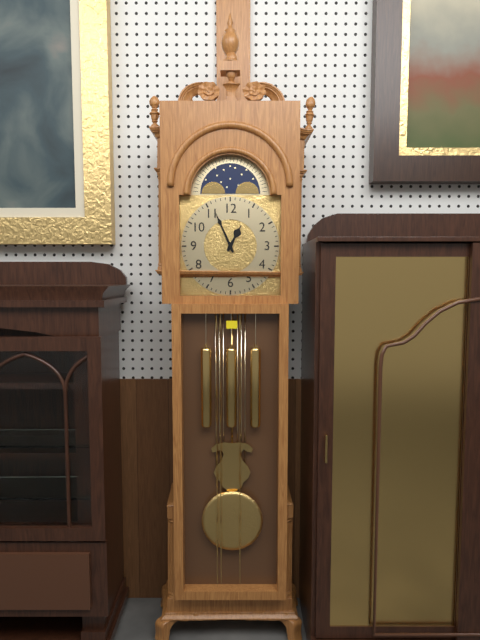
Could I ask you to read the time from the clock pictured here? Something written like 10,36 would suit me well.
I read 12,56
